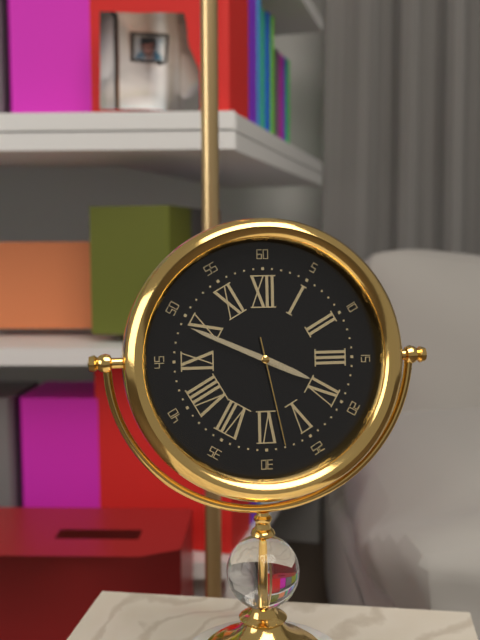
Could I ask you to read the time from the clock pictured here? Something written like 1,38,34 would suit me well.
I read 3,49,28
